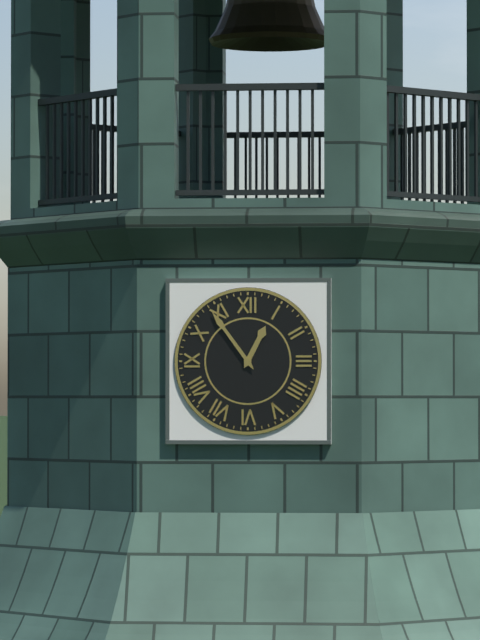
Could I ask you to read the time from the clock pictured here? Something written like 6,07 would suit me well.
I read 12,54
